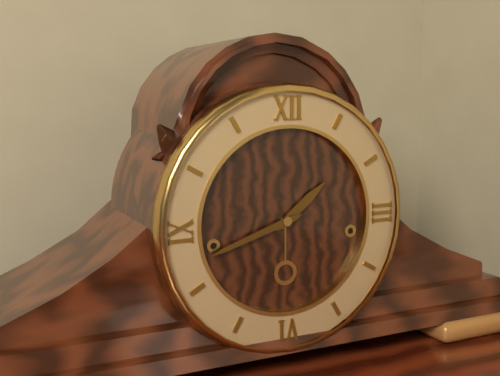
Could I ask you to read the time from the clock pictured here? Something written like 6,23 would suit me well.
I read 1,42
